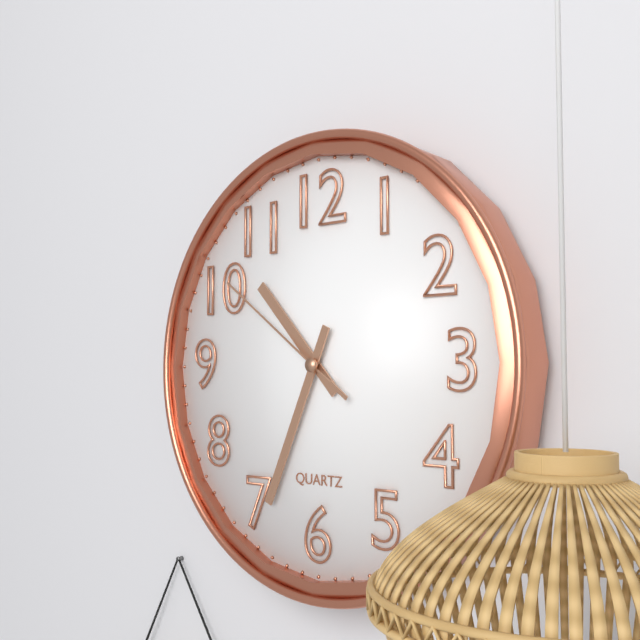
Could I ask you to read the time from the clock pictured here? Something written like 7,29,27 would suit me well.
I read 10,34,51
